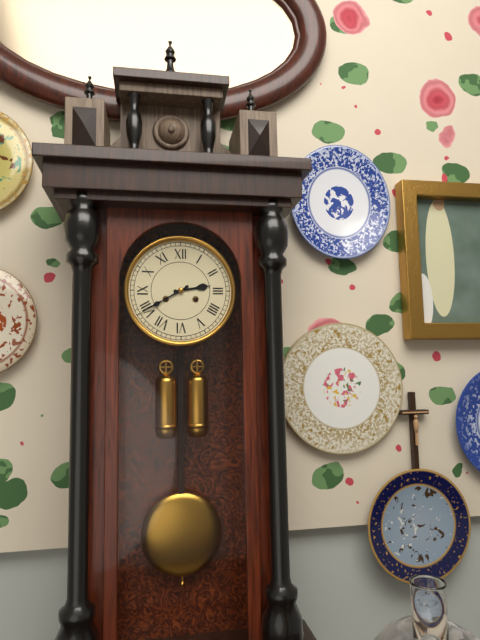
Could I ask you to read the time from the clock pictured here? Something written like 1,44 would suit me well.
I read 2,40
